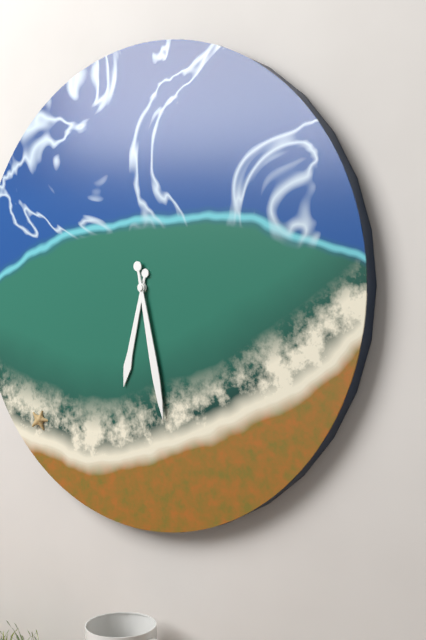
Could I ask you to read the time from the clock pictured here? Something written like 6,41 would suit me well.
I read 6,28
